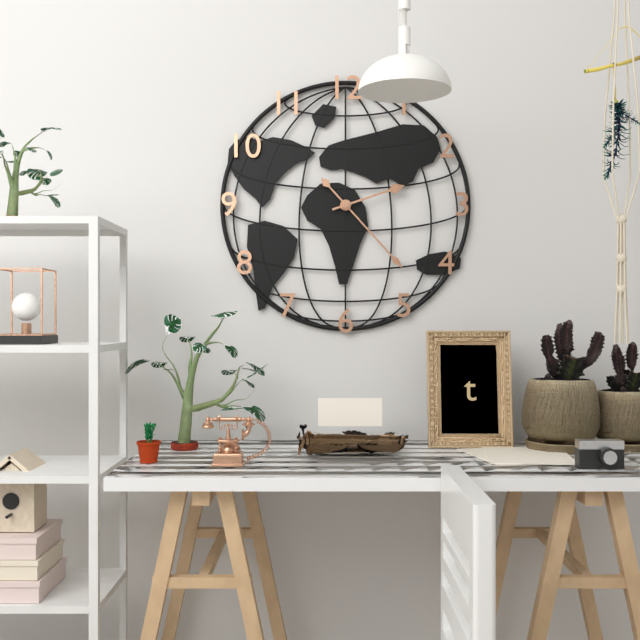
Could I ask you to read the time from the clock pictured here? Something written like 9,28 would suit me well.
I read 2,23
